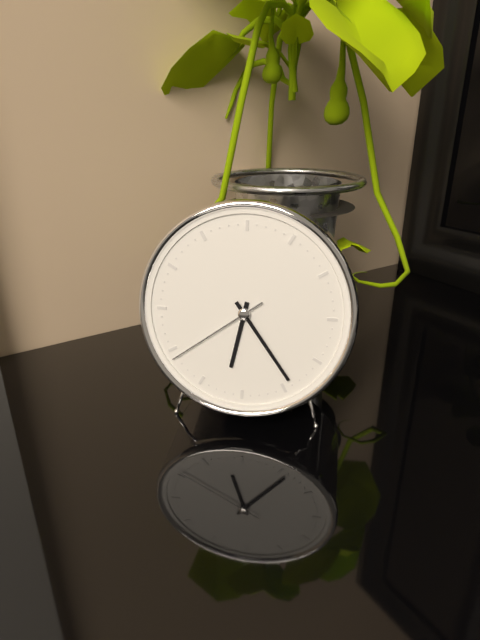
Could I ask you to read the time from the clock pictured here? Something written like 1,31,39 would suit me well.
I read 6,24,39
